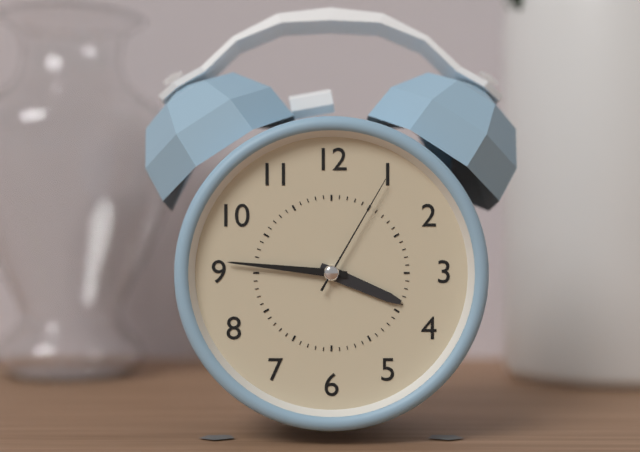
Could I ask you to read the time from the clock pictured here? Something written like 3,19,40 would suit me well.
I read 3,46,05
